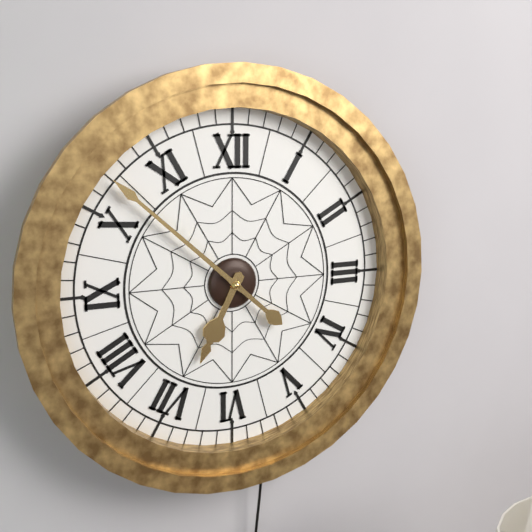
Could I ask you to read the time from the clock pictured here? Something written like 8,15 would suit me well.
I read 6,52
